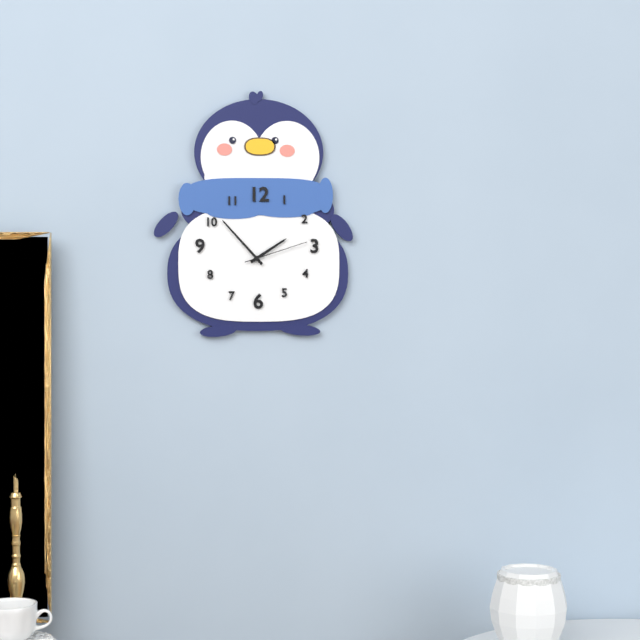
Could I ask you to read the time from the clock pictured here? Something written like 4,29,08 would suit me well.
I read 1,53,12
